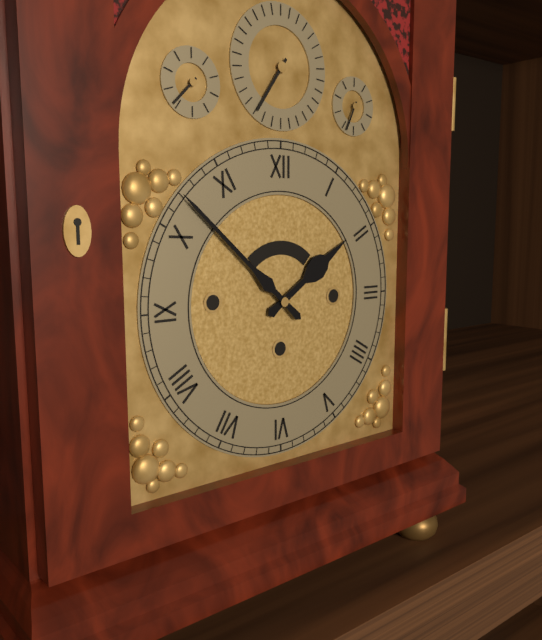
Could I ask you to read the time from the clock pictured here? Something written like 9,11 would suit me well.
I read 1,52
